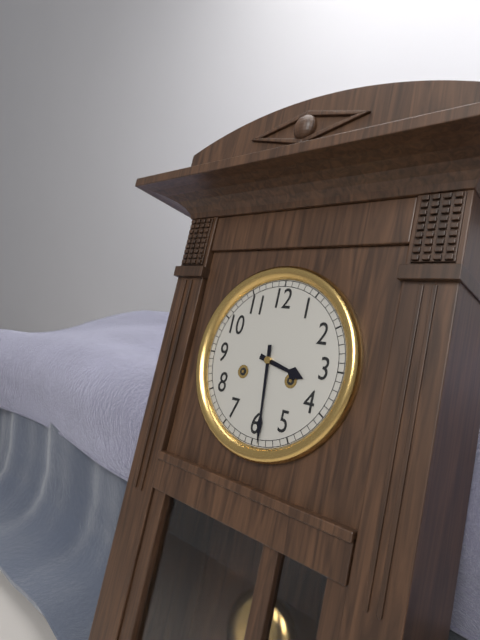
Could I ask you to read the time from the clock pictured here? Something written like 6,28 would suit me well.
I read 3,29
